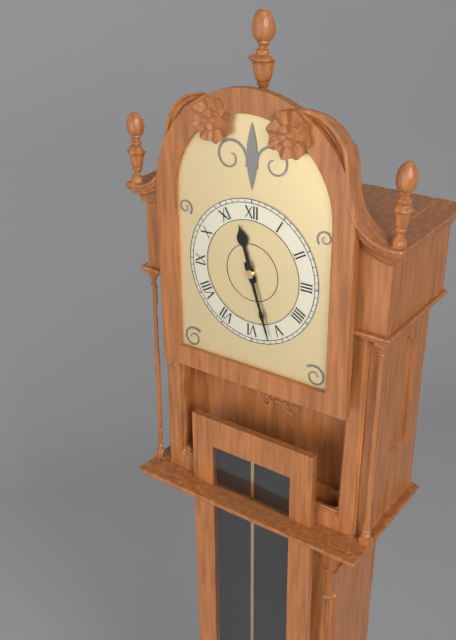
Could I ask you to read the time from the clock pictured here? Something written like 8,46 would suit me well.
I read 11,27
